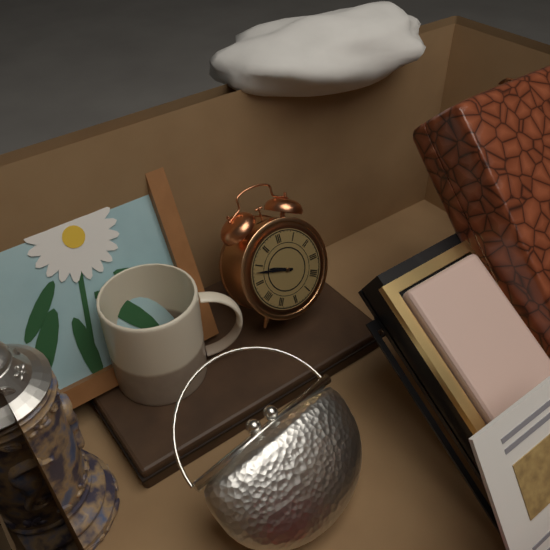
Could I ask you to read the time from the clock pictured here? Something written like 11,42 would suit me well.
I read 9,48
